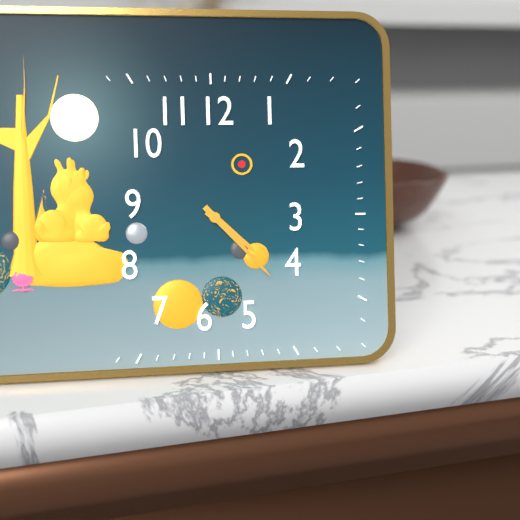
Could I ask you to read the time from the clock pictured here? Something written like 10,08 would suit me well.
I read 4,23
